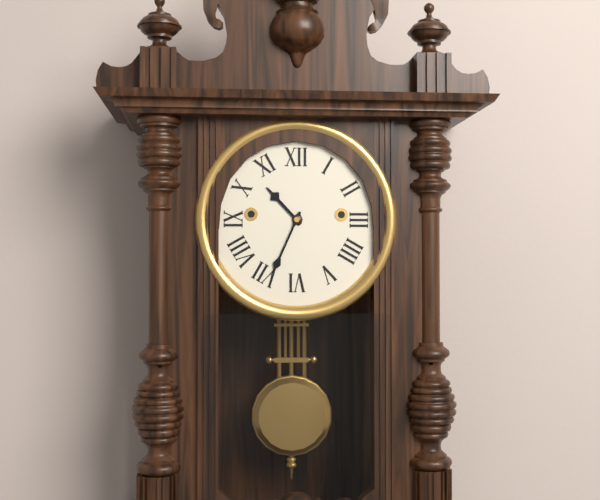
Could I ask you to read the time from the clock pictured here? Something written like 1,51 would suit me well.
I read 10,34
